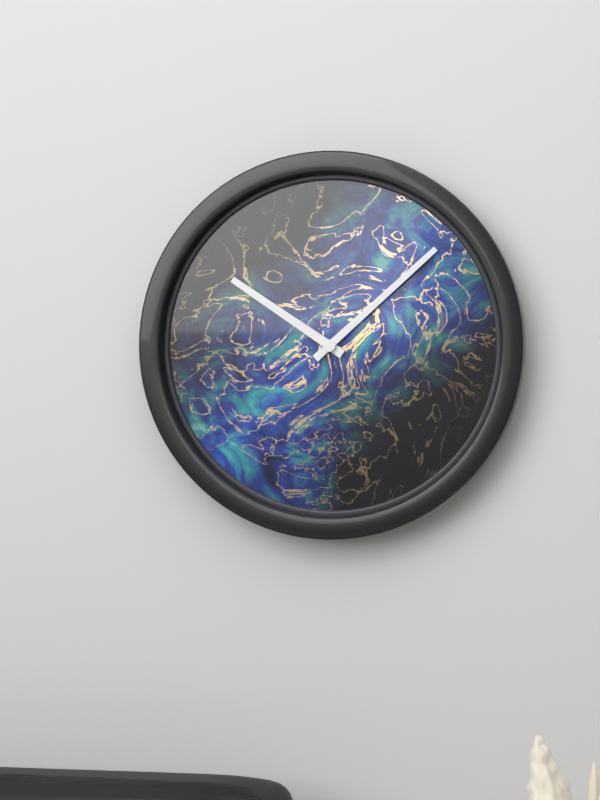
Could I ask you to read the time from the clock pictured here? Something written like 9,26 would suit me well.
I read 10,08
